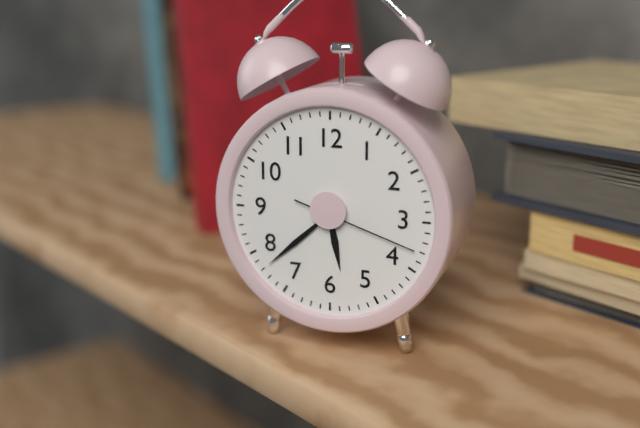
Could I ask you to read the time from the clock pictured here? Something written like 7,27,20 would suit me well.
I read 5,38,18
